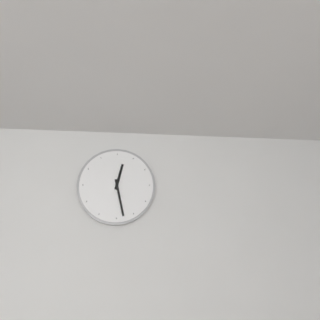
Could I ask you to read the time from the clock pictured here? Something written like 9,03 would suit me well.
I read 12,28
